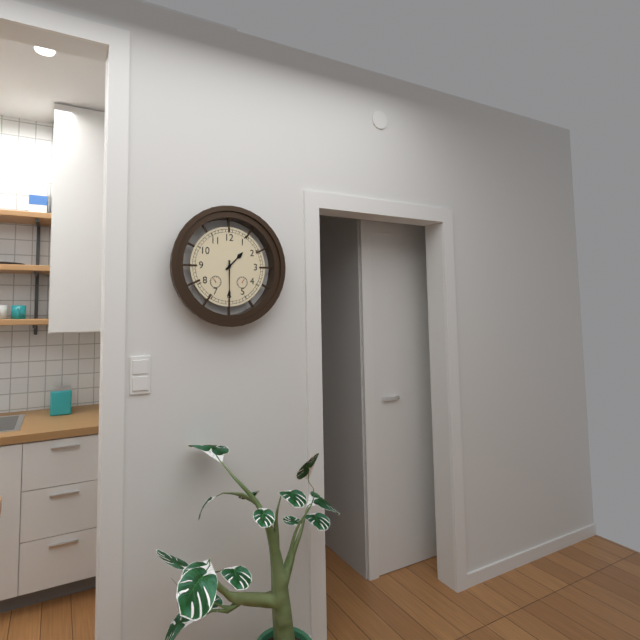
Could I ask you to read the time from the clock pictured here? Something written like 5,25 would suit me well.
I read 1,30
